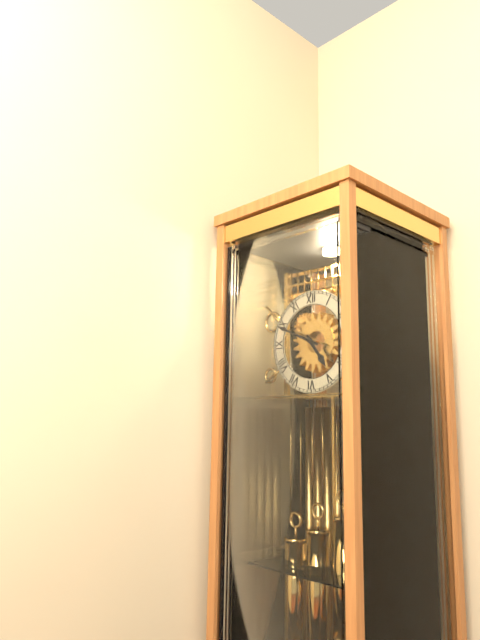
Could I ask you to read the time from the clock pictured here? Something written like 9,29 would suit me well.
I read 4,49
